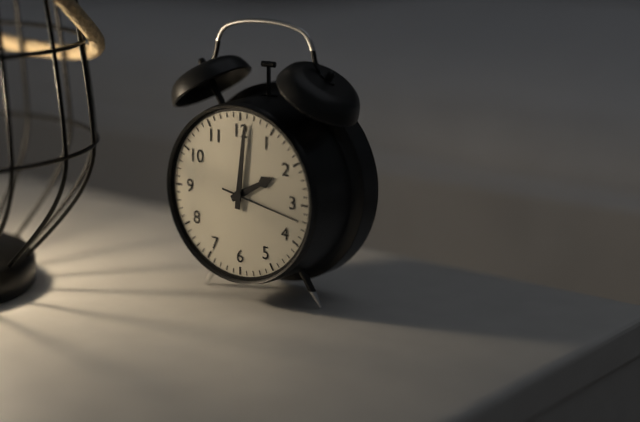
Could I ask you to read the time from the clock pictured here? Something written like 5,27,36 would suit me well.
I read 2,01,17
